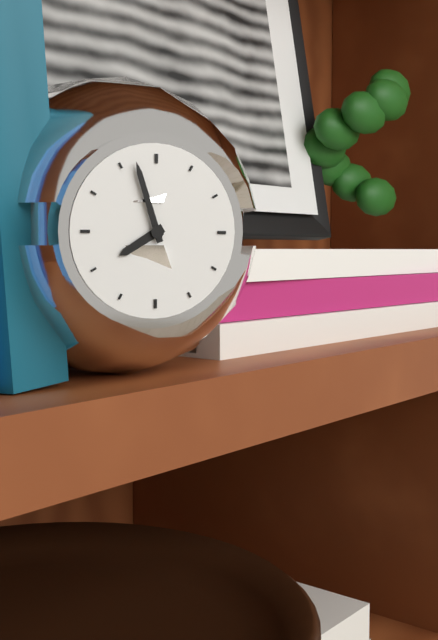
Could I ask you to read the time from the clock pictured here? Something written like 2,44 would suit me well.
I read 7,57
